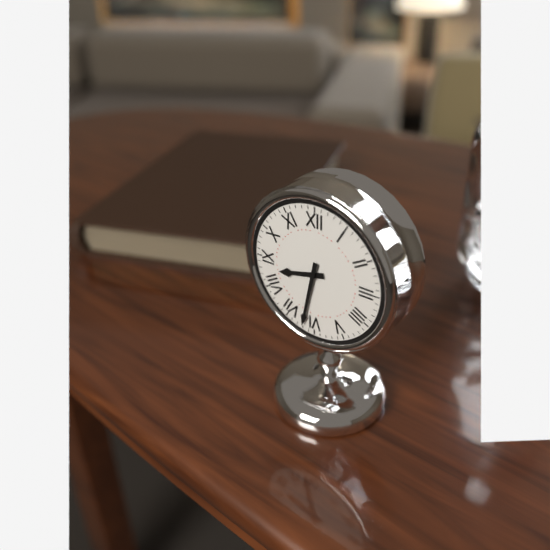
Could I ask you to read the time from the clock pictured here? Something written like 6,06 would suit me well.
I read 8,32
